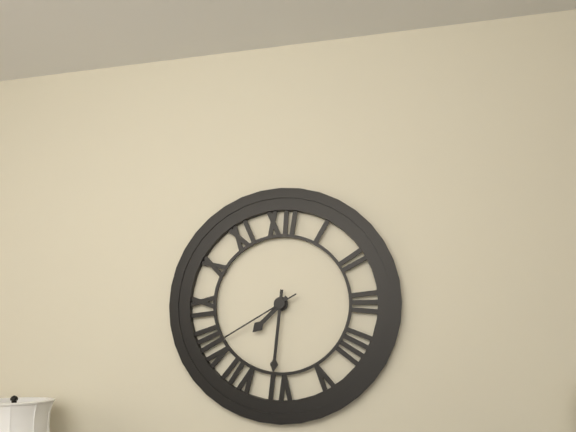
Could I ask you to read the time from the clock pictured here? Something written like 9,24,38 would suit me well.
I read 7,31,40
